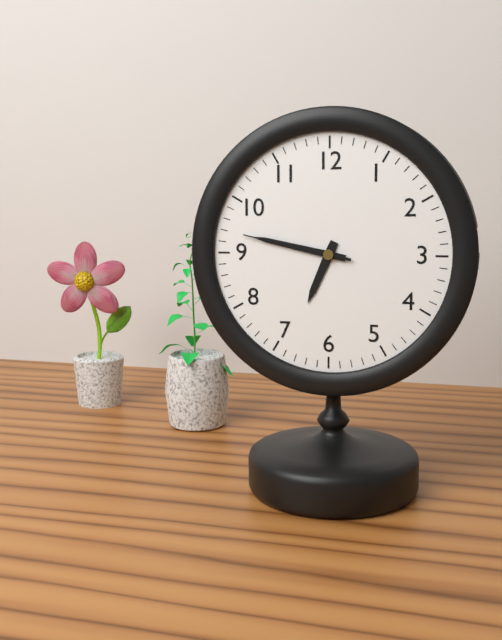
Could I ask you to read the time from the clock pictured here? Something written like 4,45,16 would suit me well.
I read 6,47,47
